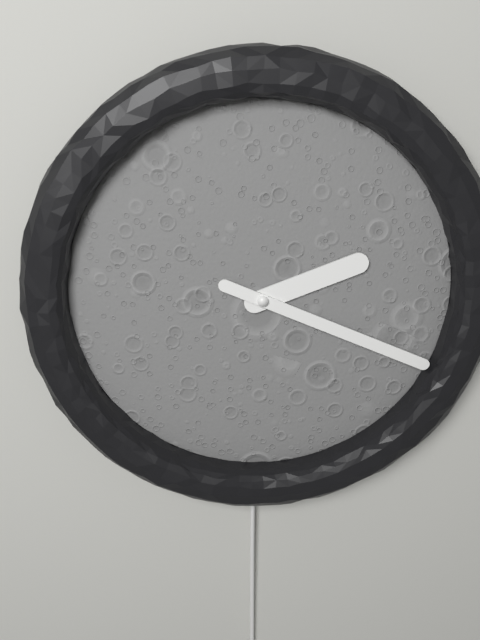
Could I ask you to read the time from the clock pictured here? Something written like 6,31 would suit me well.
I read 2,19
